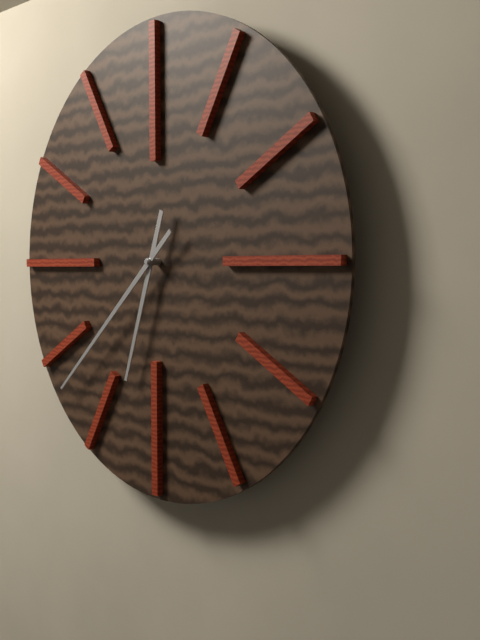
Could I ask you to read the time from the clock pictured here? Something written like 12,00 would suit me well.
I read 6,38
